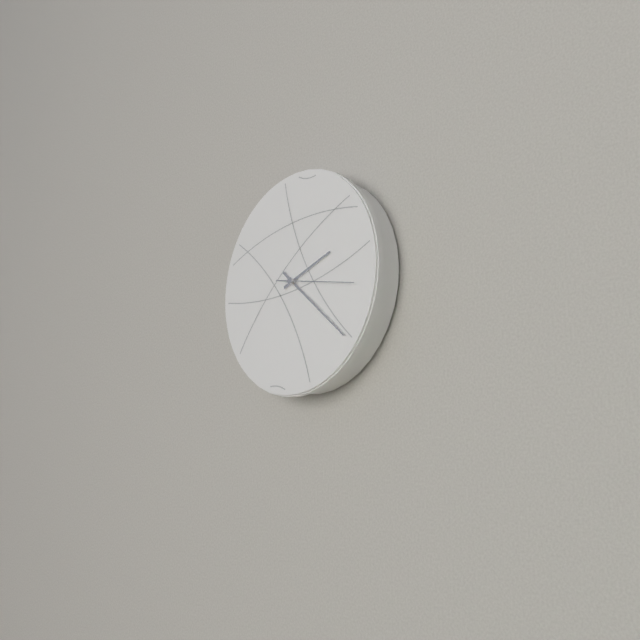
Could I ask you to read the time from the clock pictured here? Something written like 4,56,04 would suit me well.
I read 2,22,17
